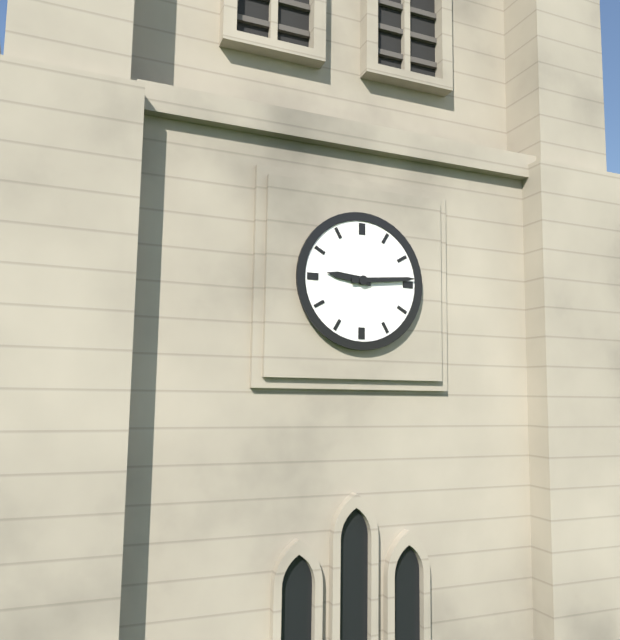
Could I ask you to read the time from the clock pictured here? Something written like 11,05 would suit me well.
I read 9,14
